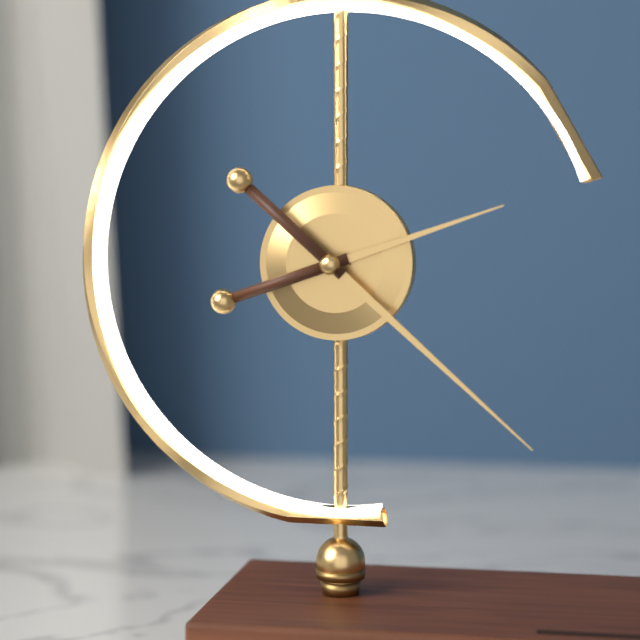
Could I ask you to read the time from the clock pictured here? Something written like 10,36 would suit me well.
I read 2,22
